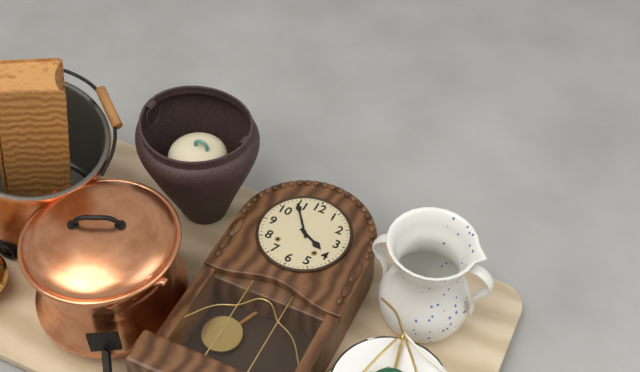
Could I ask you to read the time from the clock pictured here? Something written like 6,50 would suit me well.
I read 3,54
